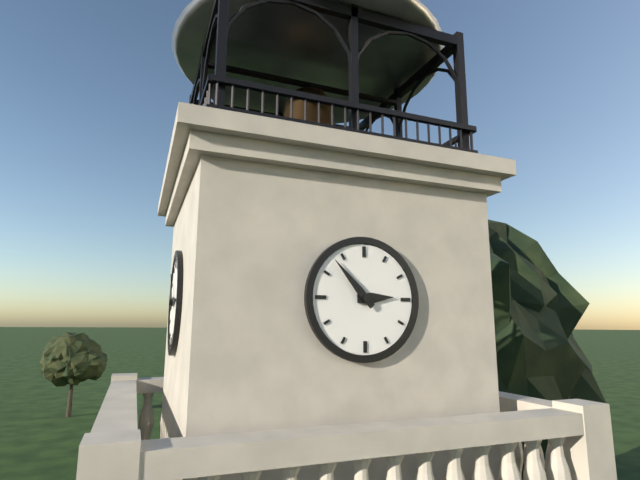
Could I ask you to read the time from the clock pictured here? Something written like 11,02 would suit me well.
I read 2,53
